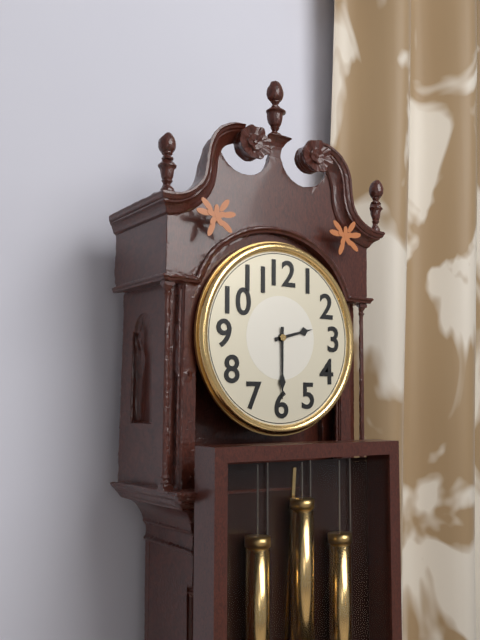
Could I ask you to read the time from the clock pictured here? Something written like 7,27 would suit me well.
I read 2,30
